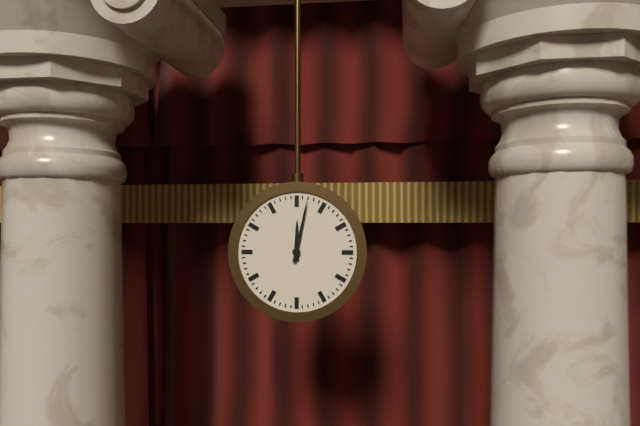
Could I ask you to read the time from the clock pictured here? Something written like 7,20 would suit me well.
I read 12,02
